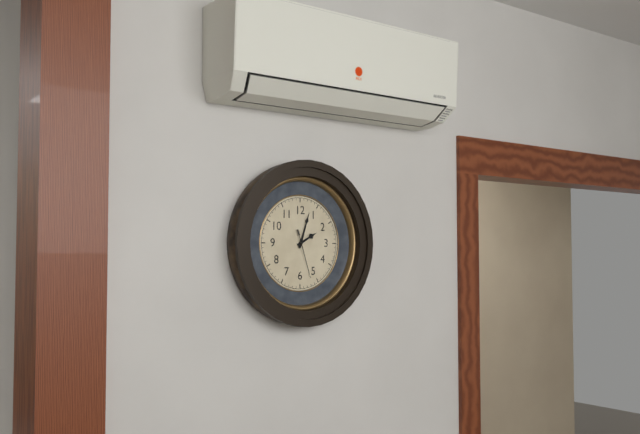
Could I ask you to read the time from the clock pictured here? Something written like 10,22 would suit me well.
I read 2,03
